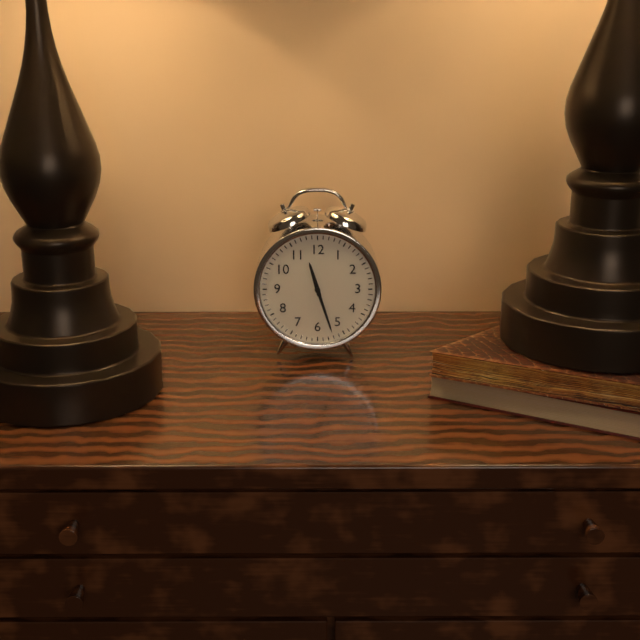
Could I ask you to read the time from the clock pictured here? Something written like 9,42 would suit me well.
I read 11,27
